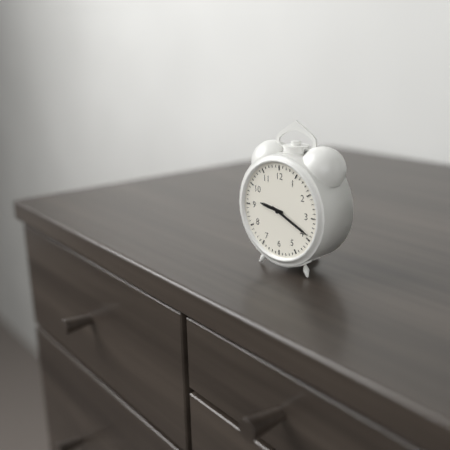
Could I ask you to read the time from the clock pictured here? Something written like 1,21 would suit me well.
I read 9,19
